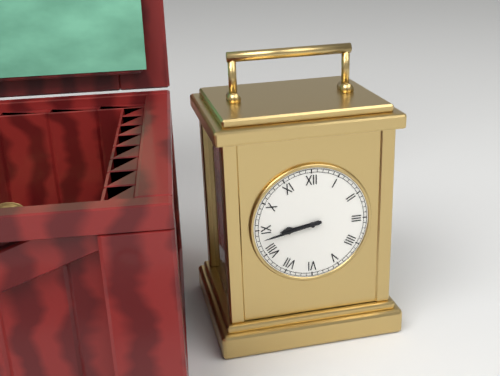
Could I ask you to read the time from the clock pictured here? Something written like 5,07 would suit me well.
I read 8,43
